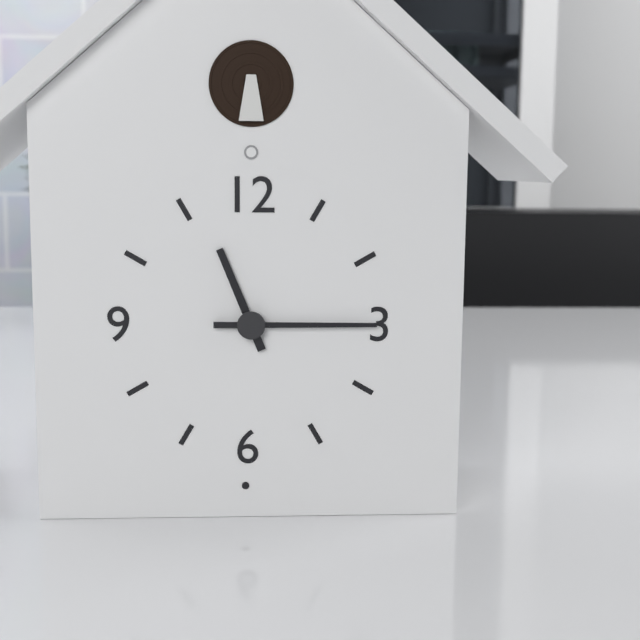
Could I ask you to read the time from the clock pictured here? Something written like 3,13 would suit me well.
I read 11,15
